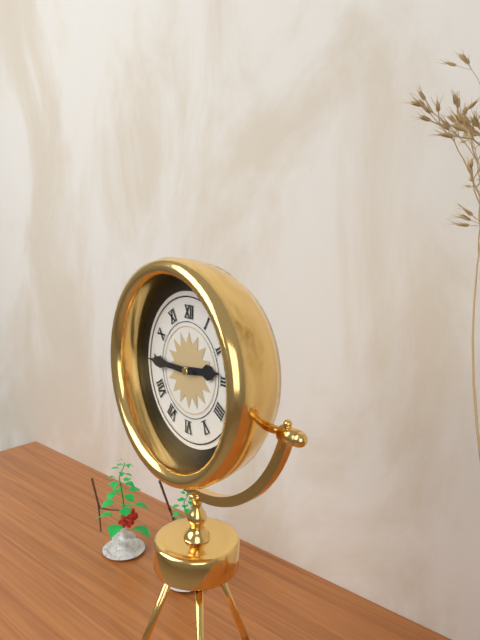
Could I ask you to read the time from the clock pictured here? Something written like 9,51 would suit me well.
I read 2,45
